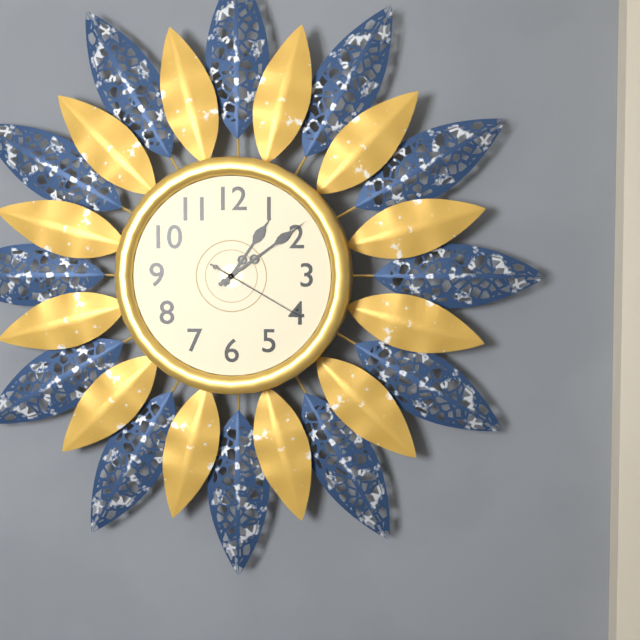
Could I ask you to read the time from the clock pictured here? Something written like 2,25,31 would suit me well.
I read 1,09,20
